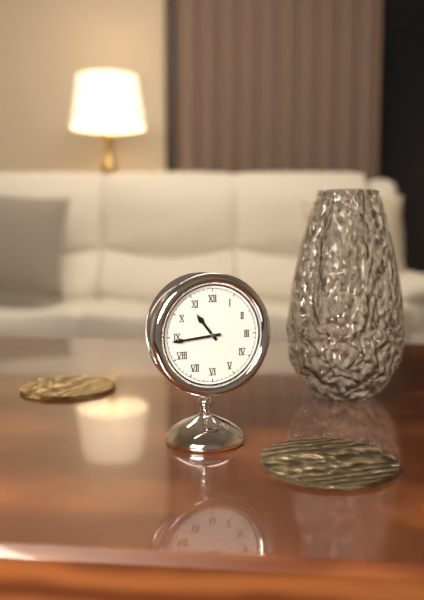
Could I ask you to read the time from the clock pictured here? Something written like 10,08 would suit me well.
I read 10,44
